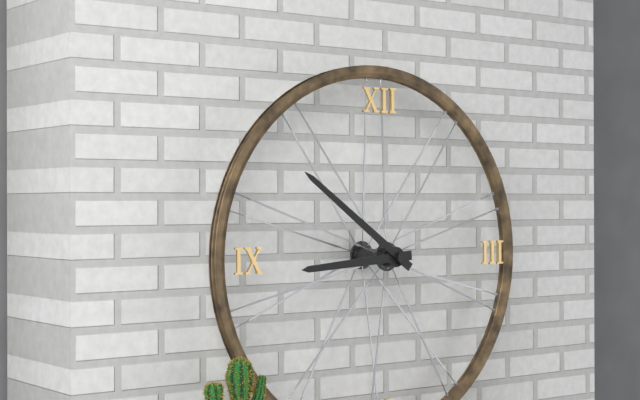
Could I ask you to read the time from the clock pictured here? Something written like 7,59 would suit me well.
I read 8,51
